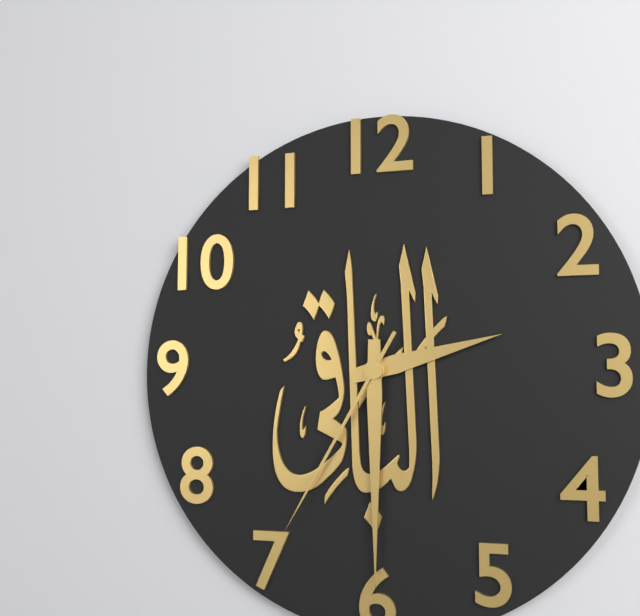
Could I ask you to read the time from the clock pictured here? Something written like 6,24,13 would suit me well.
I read 2,30,35
